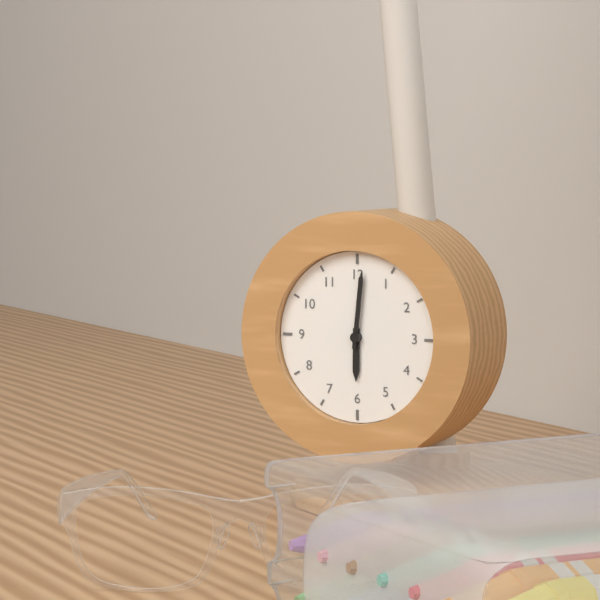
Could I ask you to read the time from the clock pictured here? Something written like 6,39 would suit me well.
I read 6,01
